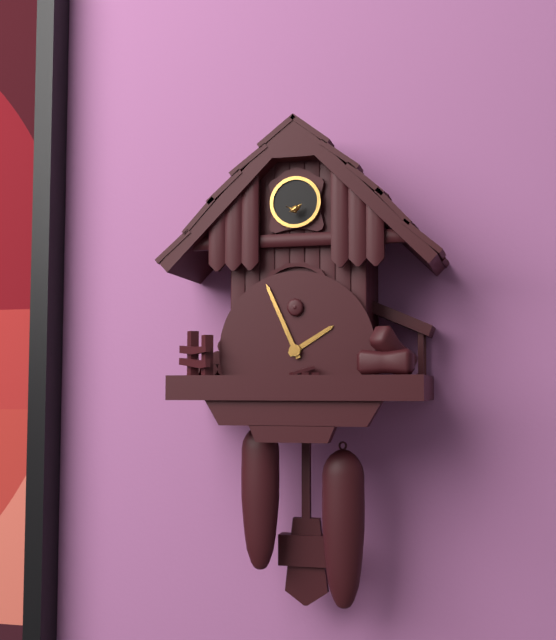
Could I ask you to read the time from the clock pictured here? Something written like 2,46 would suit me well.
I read 1,56
